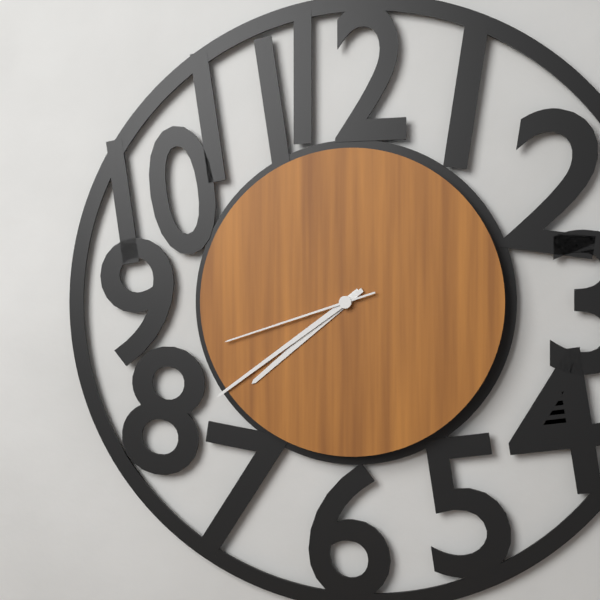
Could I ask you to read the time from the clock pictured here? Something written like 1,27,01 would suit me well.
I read 7,39,42
